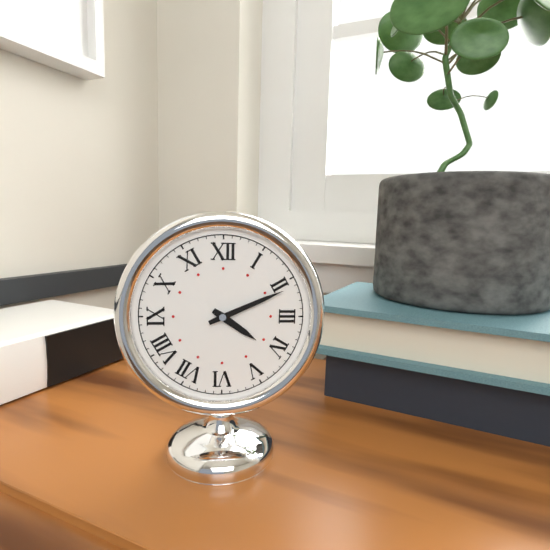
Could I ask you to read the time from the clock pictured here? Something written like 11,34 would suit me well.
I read 4,11
